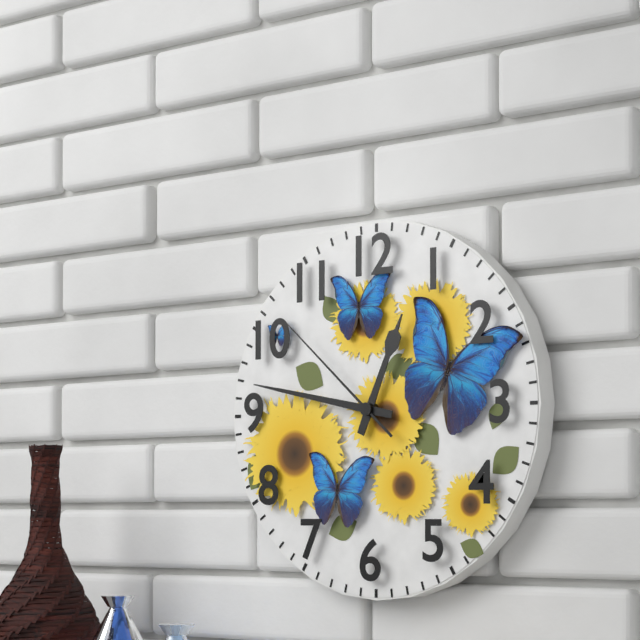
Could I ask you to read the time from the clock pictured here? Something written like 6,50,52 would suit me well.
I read 12,47,52
